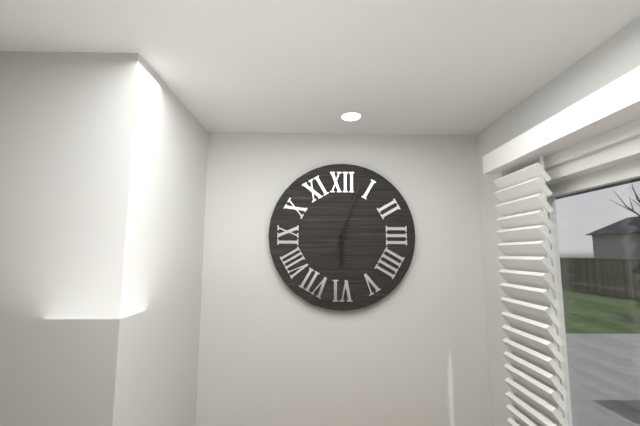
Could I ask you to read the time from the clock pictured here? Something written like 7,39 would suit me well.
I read 6,03
